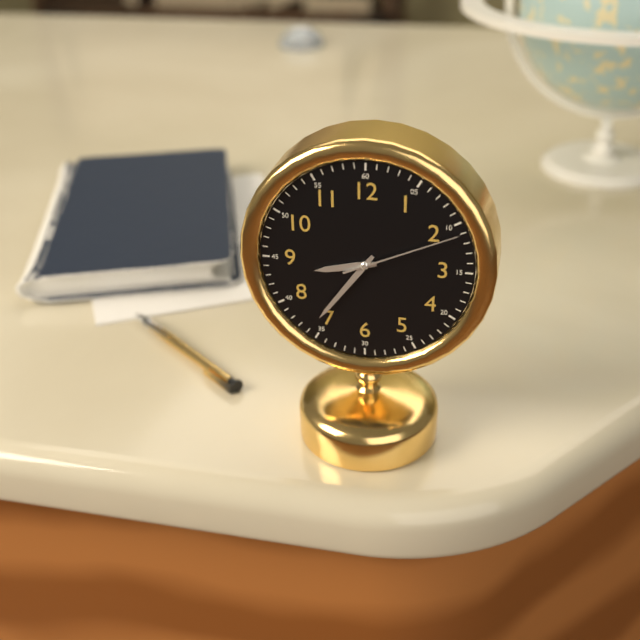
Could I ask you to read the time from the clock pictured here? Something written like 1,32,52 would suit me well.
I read 8,36,11
